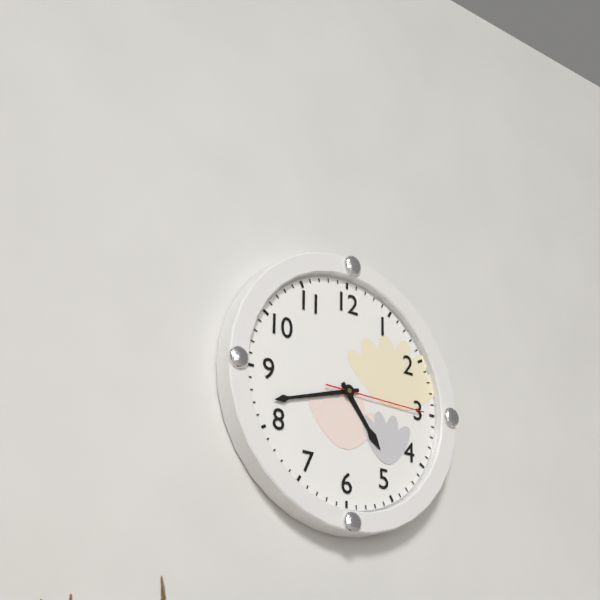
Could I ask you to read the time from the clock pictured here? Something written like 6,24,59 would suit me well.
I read 4,42,15
